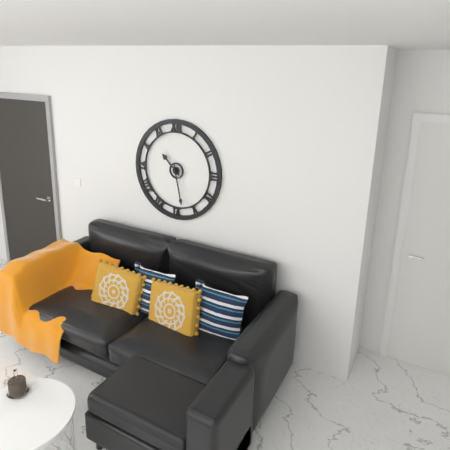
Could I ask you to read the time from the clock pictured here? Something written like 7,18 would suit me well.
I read 10,28
